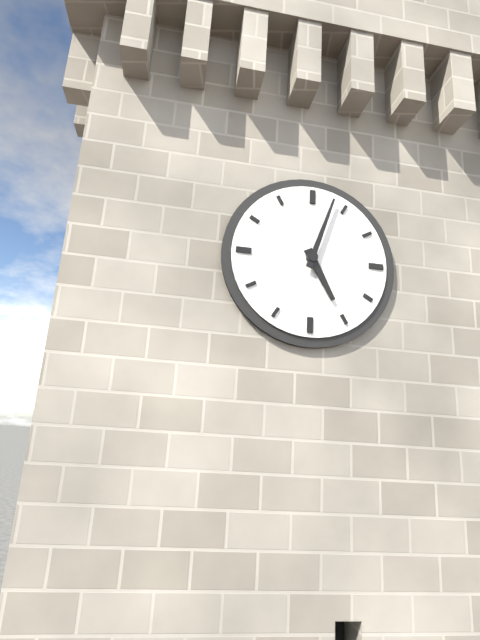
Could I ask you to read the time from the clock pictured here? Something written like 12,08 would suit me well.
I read 5,03
